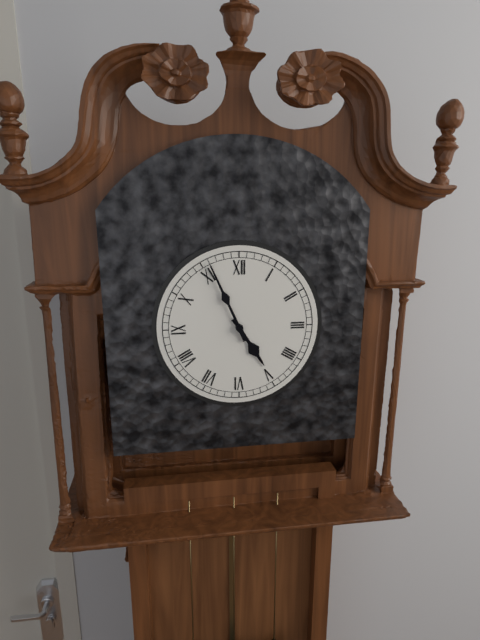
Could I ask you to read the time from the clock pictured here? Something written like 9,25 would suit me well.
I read 4,56
